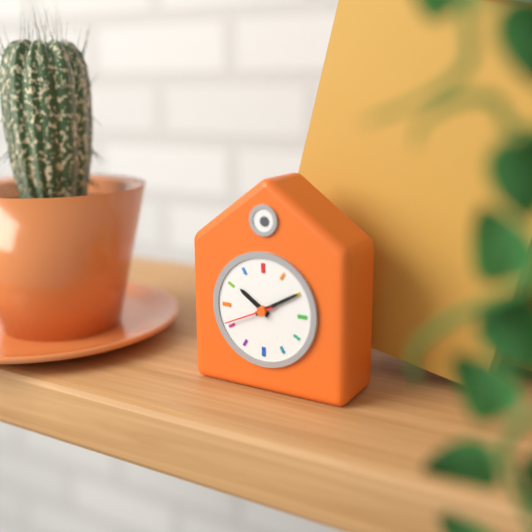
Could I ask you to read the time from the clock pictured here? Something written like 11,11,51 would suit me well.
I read 10,10,41
